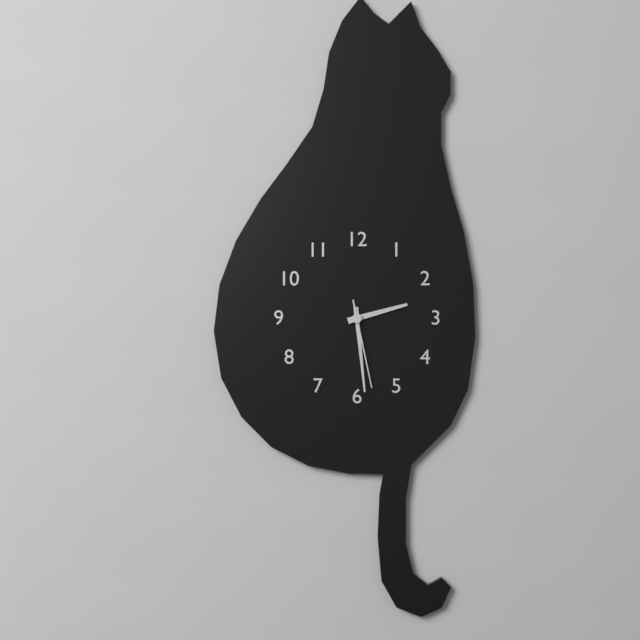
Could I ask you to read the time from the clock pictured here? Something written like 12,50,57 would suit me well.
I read 2,29,28
